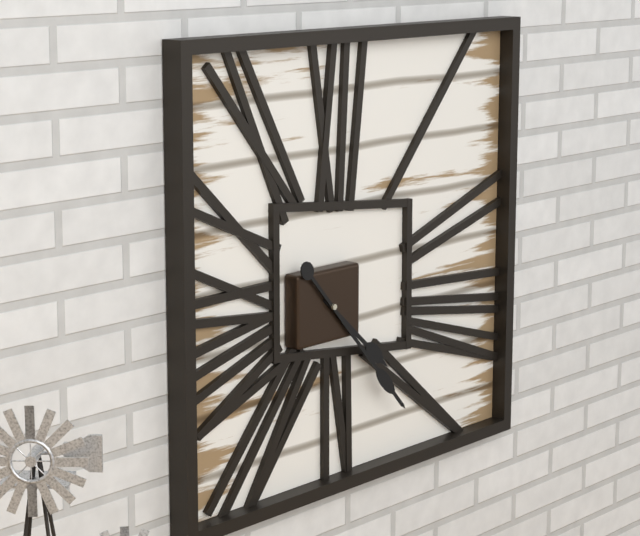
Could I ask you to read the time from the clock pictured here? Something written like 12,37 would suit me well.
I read 4,23
